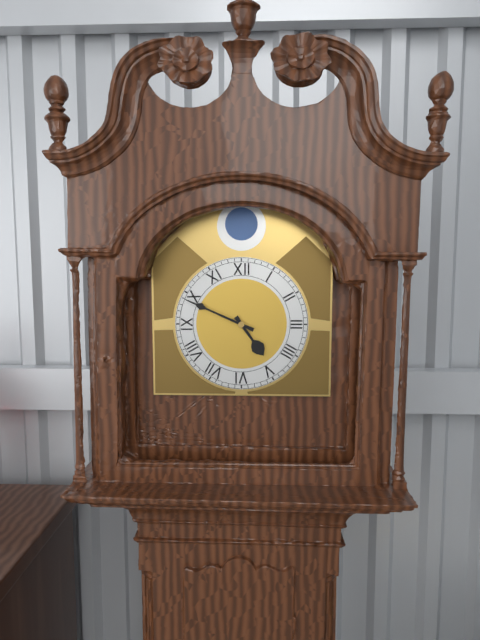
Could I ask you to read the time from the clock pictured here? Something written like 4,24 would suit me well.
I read 4,49
